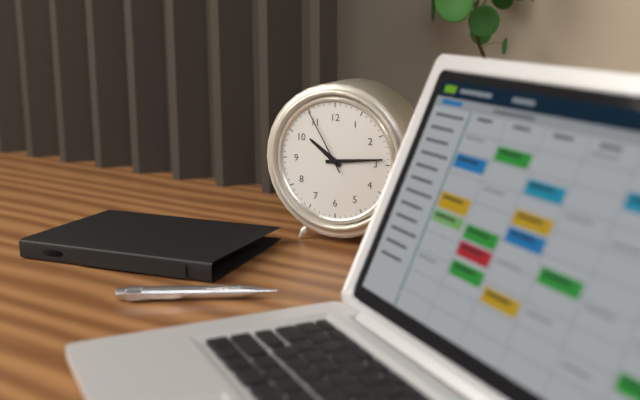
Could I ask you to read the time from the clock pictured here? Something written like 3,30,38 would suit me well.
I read 10,14,55
